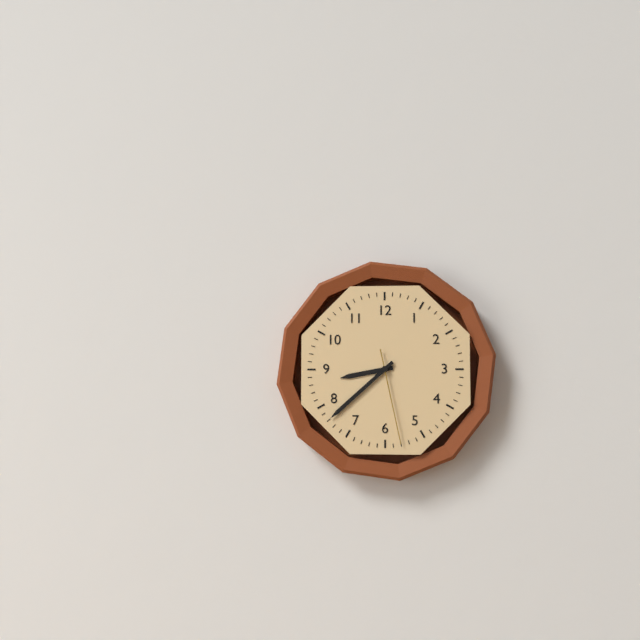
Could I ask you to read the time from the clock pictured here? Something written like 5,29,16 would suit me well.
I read 8,38,28
